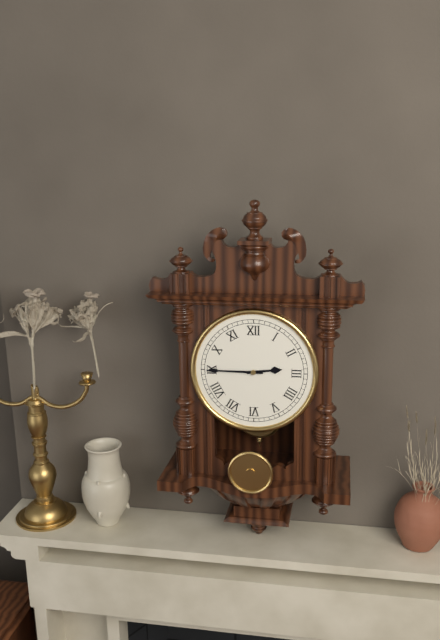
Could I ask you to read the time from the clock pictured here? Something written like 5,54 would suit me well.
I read 2,45
